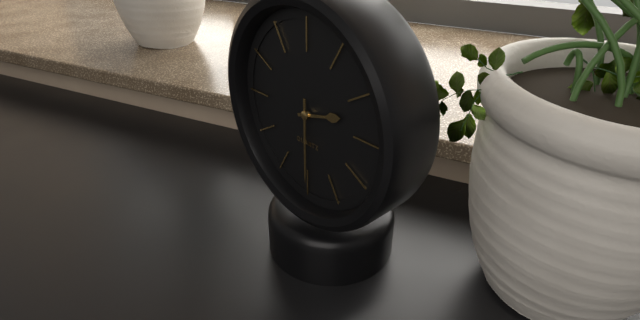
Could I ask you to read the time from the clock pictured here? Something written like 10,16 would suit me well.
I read 2,30
